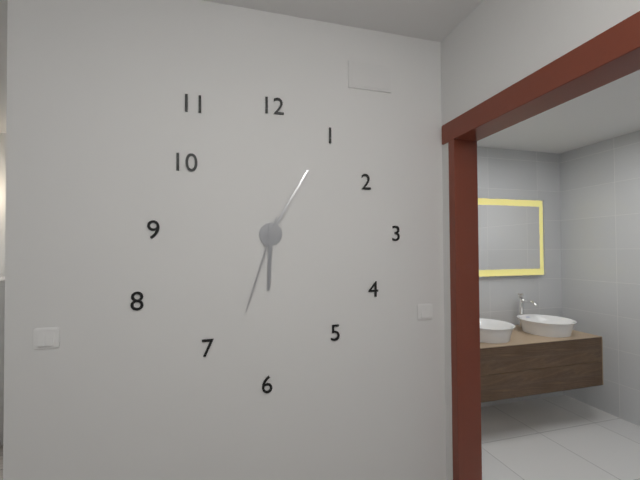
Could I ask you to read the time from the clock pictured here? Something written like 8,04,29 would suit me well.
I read 6,05,33
